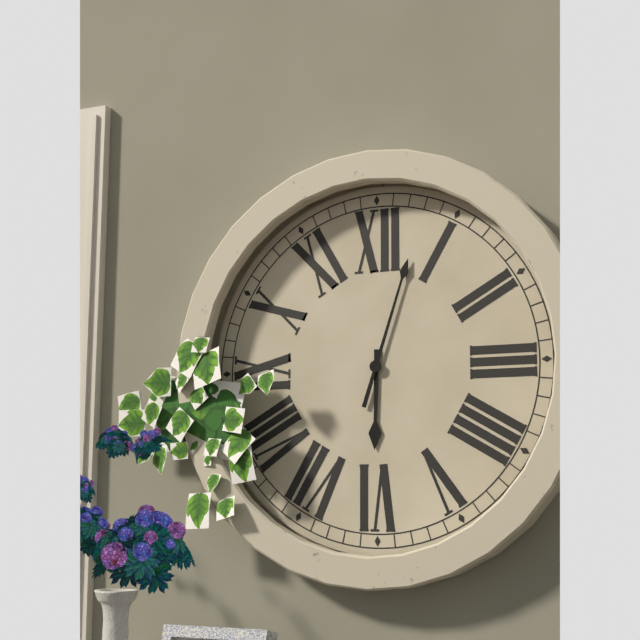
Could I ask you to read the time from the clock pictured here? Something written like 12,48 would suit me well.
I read 6,03
